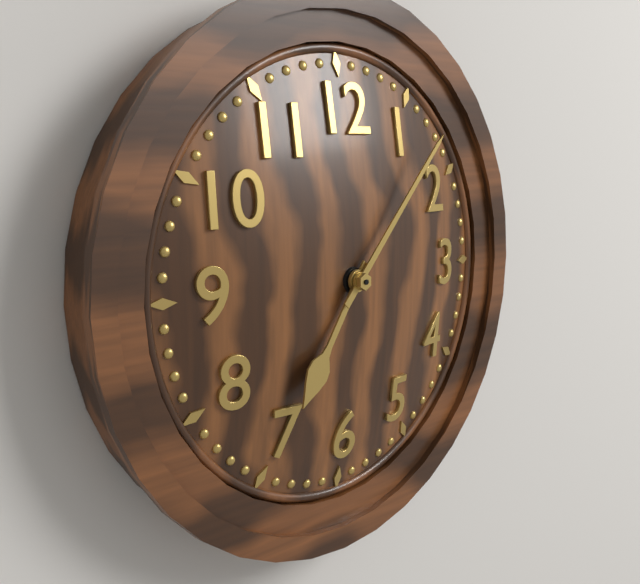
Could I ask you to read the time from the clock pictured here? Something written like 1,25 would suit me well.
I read 7,07
